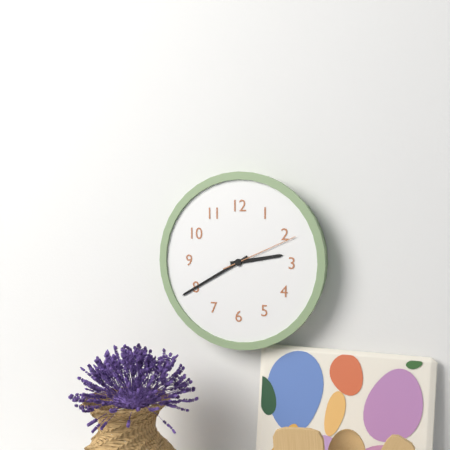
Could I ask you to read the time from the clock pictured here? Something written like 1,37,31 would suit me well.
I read 2,40,11
